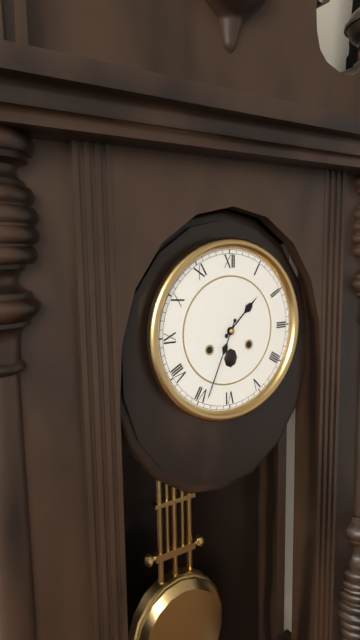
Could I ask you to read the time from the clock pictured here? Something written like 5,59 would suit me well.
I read 1,34
